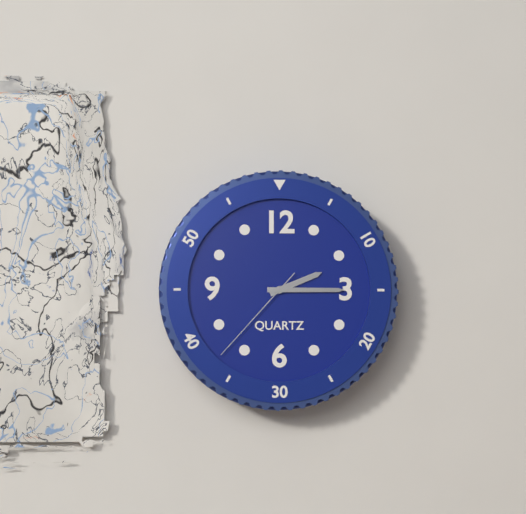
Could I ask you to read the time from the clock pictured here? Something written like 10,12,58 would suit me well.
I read 2,15,37
